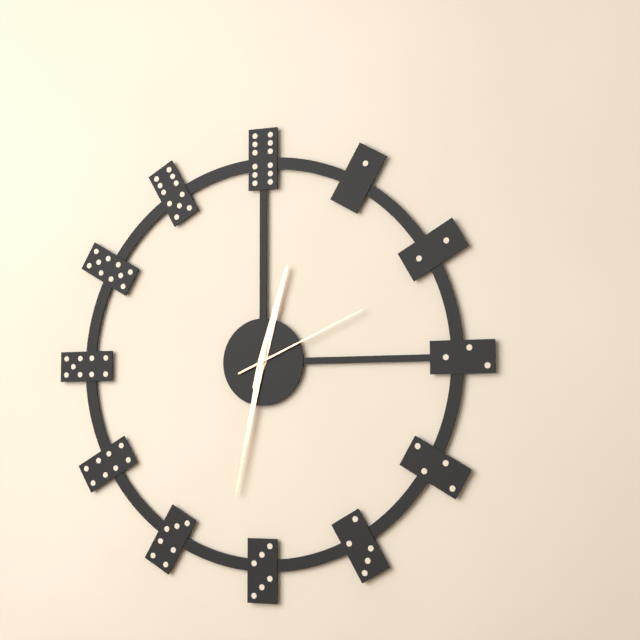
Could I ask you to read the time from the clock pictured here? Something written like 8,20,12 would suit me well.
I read 12,32,11
